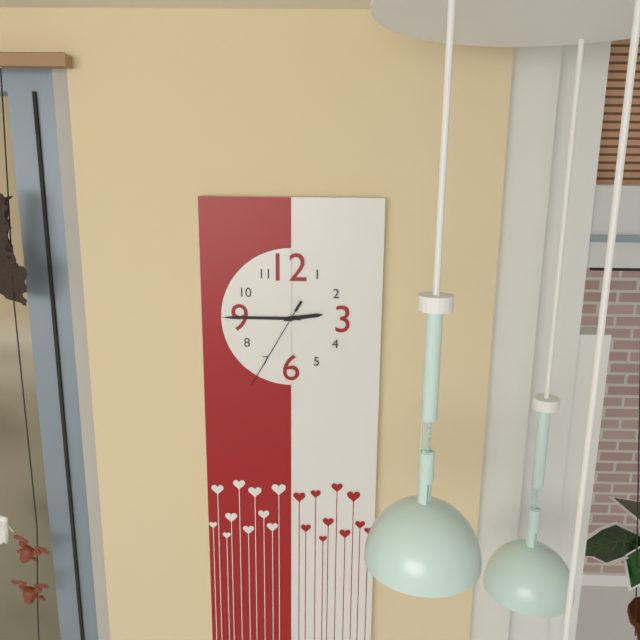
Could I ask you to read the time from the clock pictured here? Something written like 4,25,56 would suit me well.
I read 2,45,35
